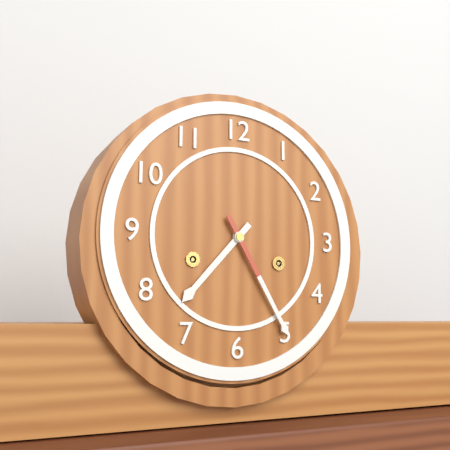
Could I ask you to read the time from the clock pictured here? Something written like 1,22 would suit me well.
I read 7,25
